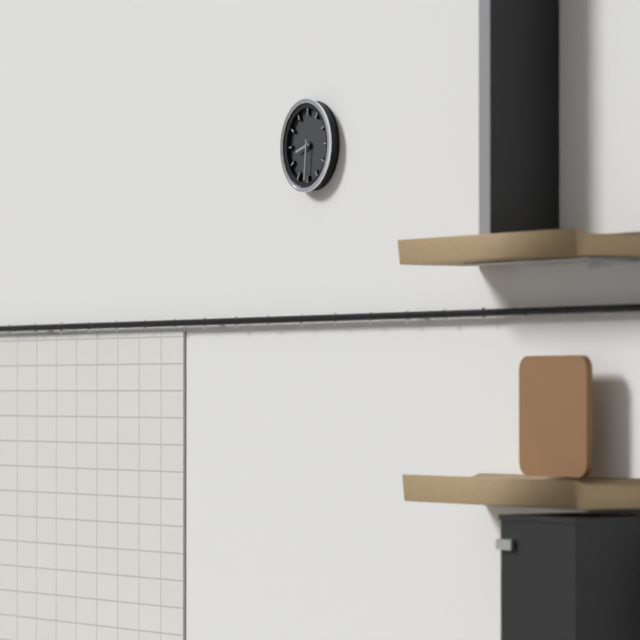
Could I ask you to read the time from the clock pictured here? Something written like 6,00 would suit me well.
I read 8,31
